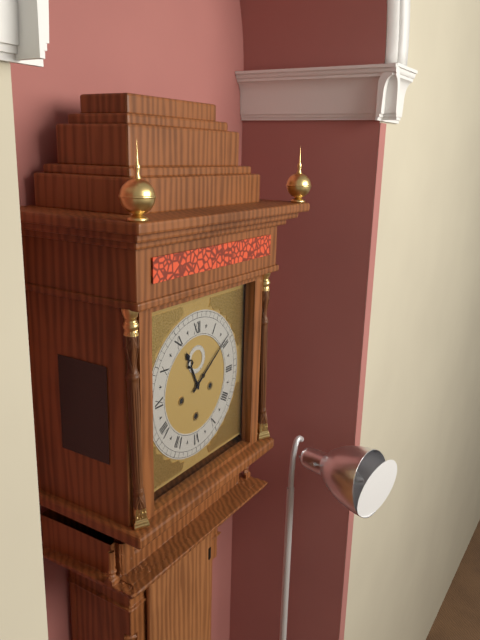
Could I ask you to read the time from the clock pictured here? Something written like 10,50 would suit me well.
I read 11,09
